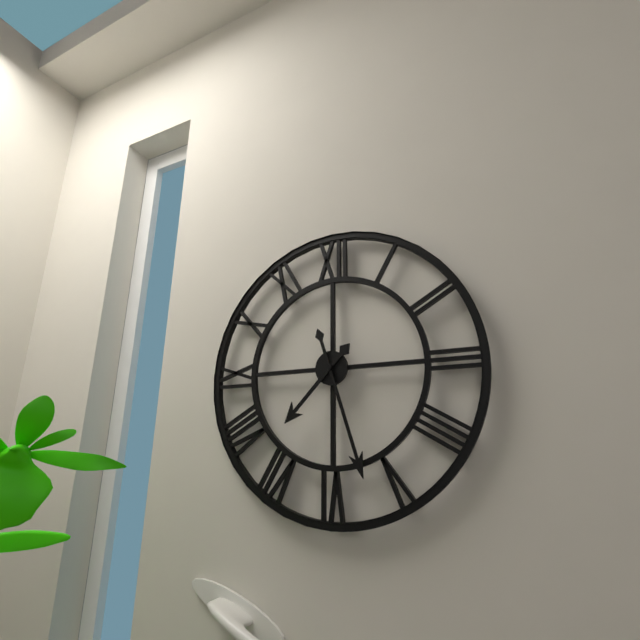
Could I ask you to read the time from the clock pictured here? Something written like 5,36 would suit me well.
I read 7,27
